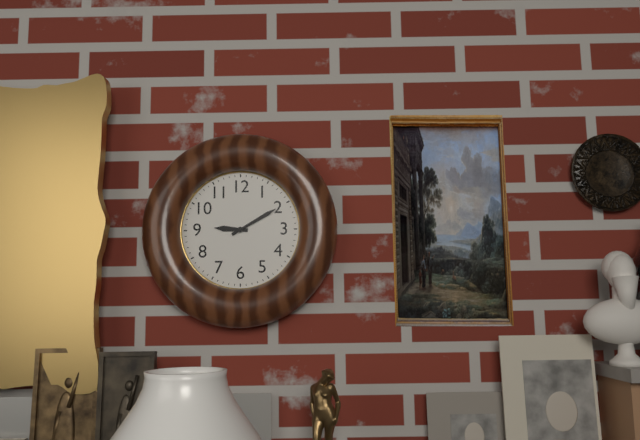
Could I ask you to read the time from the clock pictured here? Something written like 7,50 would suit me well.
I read 9,10
